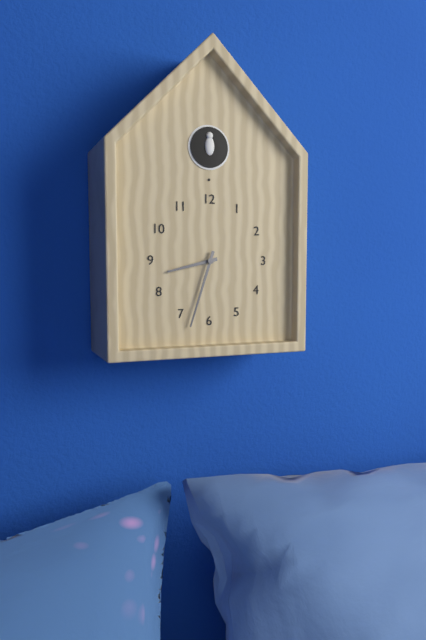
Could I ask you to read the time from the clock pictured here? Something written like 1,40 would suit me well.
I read 8,33
